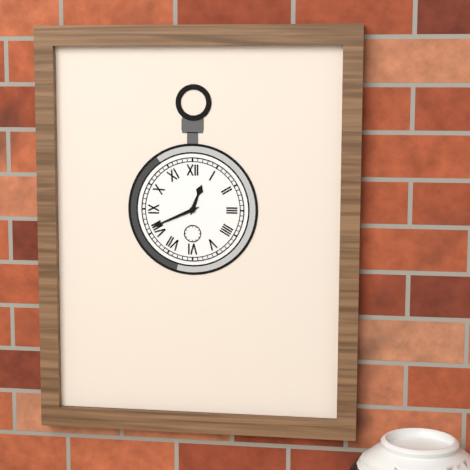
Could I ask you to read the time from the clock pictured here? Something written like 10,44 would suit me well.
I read 12,41
